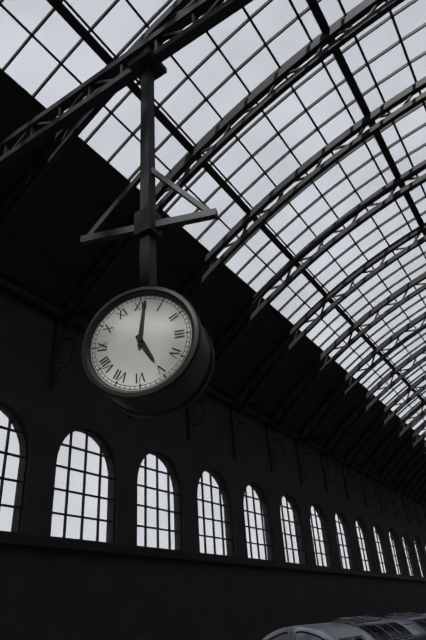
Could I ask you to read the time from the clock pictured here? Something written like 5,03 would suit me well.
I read 5,01
